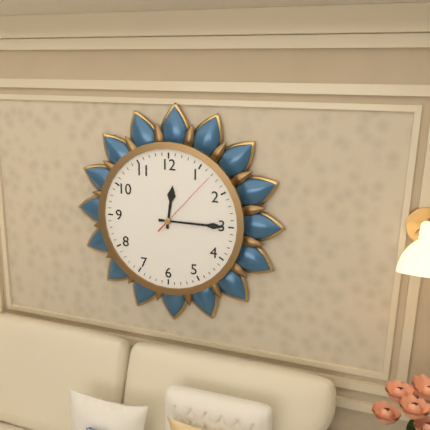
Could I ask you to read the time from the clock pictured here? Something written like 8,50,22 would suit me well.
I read 12,15,07
